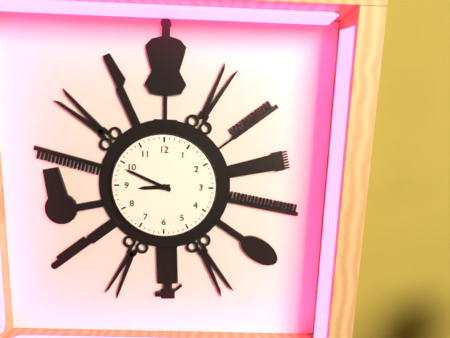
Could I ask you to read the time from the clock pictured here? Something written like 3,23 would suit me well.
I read 8,49
